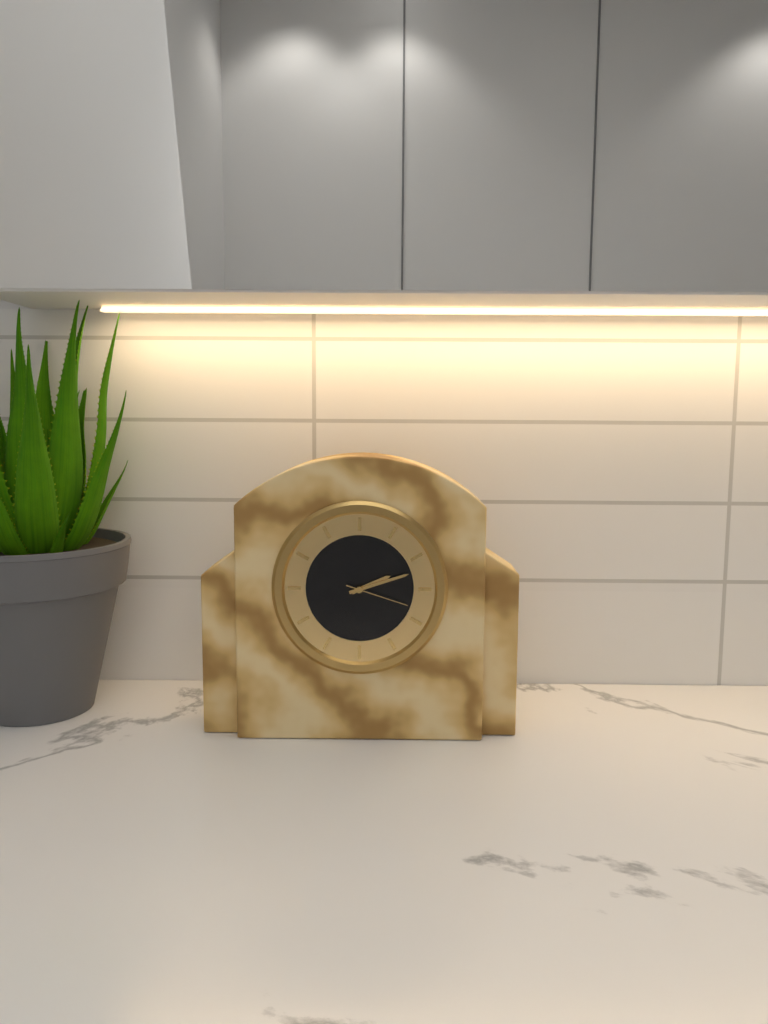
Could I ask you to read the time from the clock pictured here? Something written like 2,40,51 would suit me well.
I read 2,12,18
